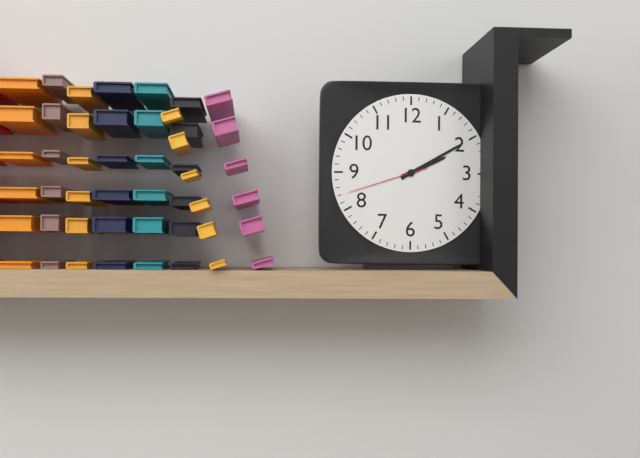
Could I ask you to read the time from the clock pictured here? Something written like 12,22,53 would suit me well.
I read 2,10,42
